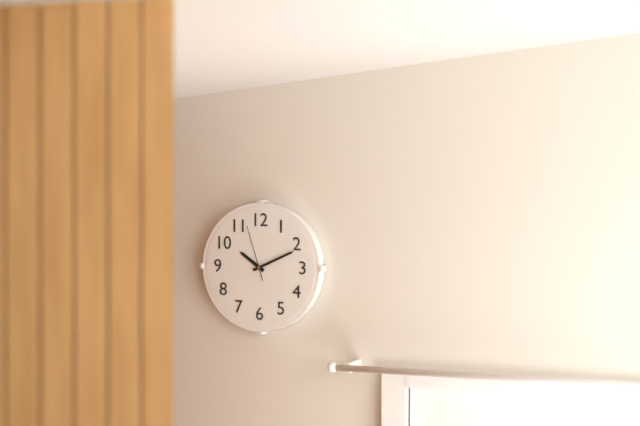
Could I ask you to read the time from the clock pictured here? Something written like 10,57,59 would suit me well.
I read 10,11,57
